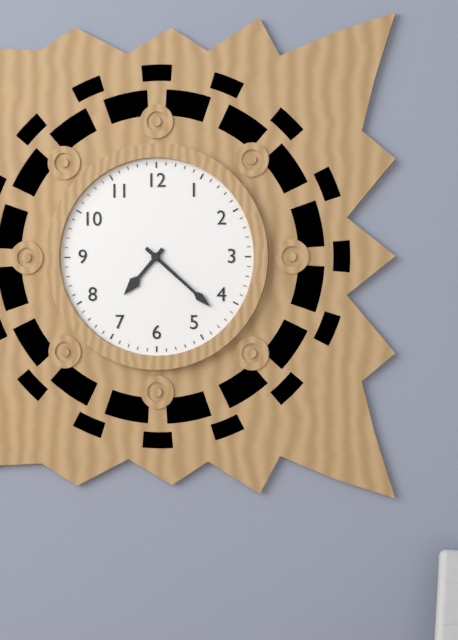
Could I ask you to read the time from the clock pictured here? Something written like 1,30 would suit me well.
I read 7,22
